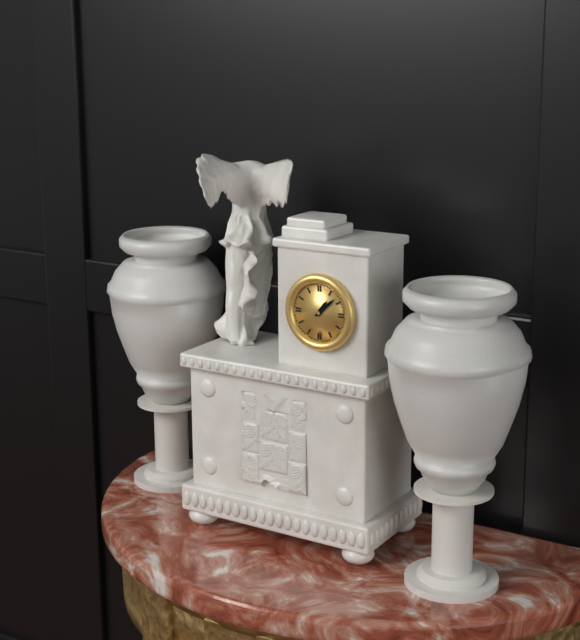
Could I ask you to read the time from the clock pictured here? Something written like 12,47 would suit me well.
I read 1,08
